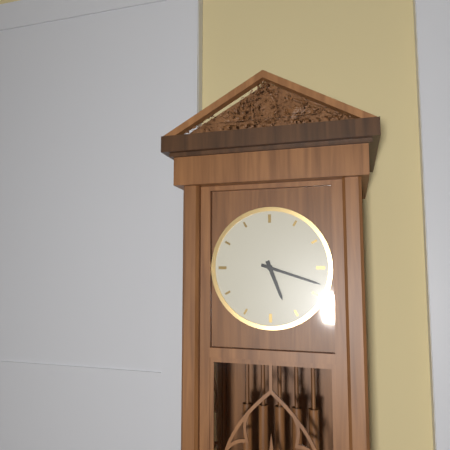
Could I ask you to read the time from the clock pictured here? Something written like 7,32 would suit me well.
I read 5,18
